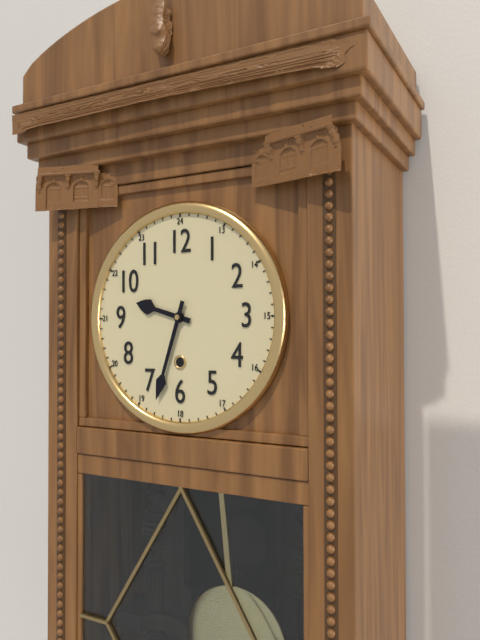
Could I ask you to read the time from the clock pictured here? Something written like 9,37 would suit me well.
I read 9,33
